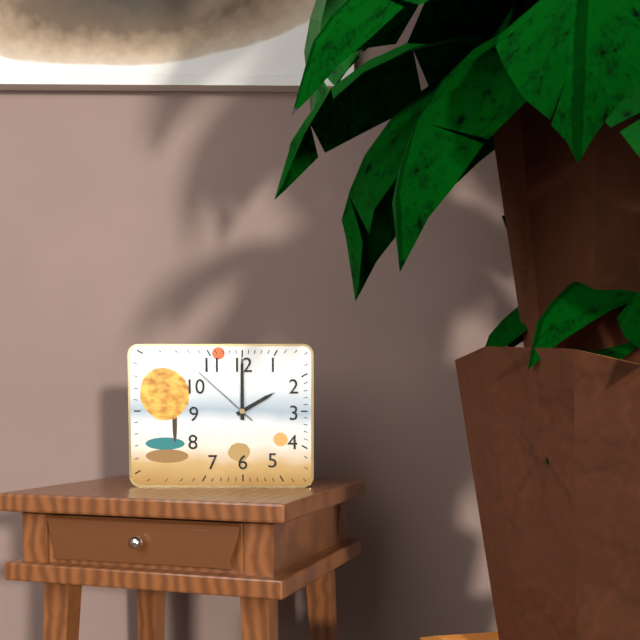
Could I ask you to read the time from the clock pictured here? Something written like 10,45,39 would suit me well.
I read 2,00,52
